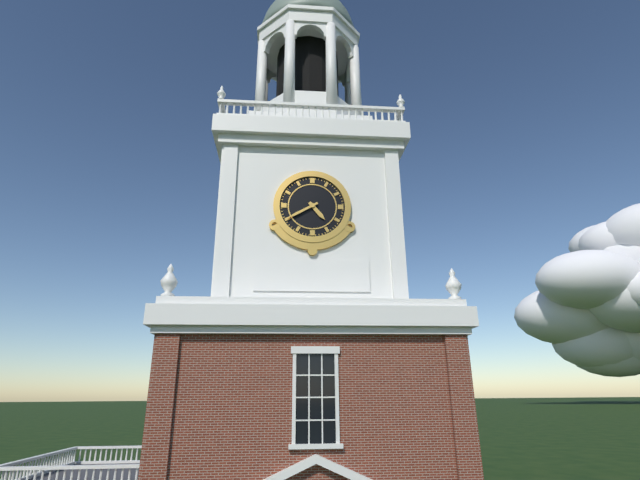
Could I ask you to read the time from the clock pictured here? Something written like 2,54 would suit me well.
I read 4,40
